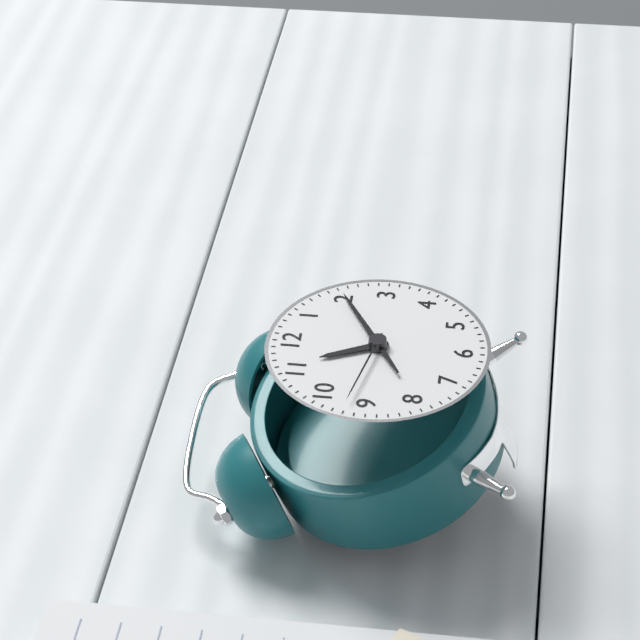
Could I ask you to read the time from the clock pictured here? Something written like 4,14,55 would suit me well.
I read 11,10,47
